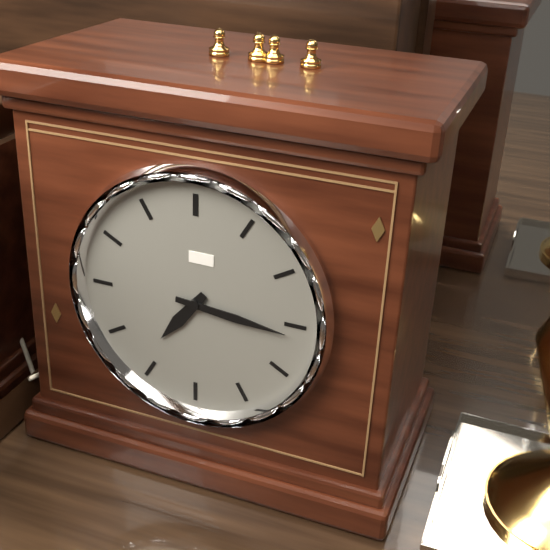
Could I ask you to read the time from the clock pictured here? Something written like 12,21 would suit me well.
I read 7,16
